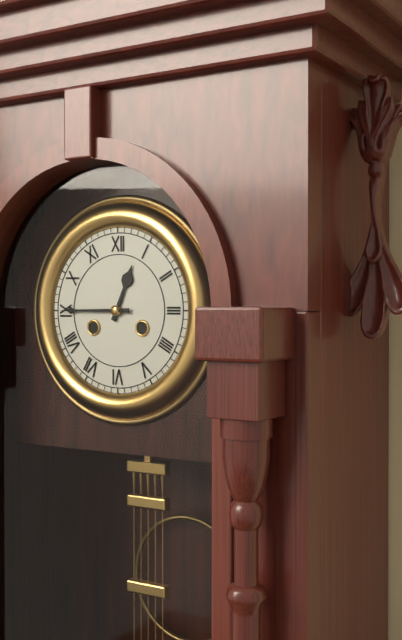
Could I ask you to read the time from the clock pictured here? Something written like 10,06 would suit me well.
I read 12,45
